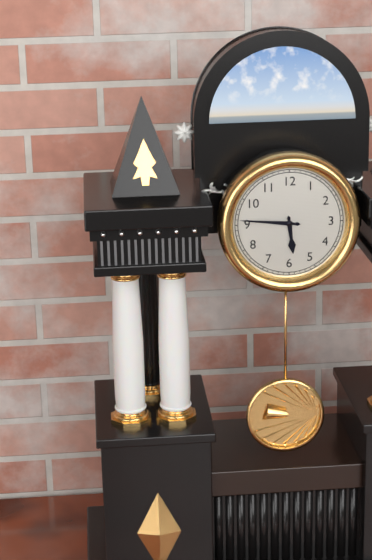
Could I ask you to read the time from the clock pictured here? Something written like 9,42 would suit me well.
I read 5,46
